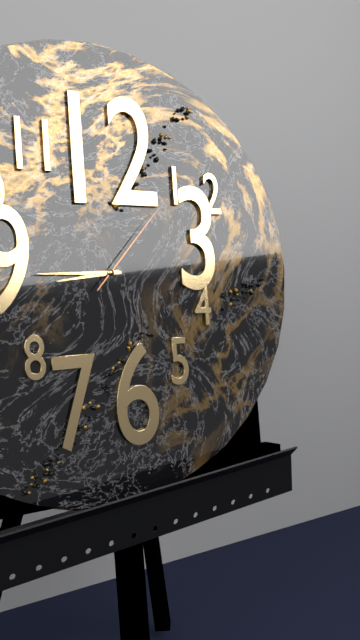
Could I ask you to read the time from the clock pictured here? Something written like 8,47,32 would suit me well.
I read 8,45,07
